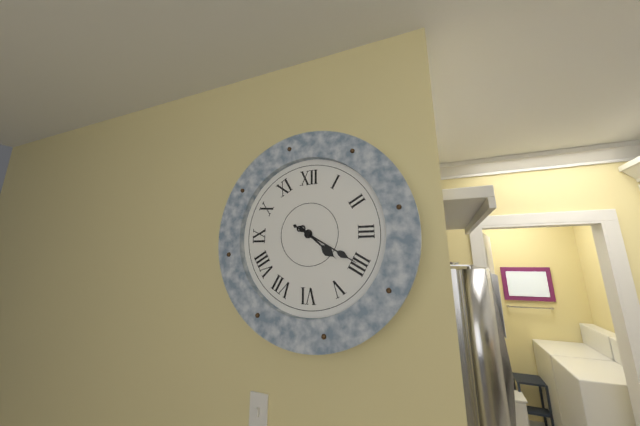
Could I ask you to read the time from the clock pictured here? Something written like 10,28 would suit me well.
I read 4,20
